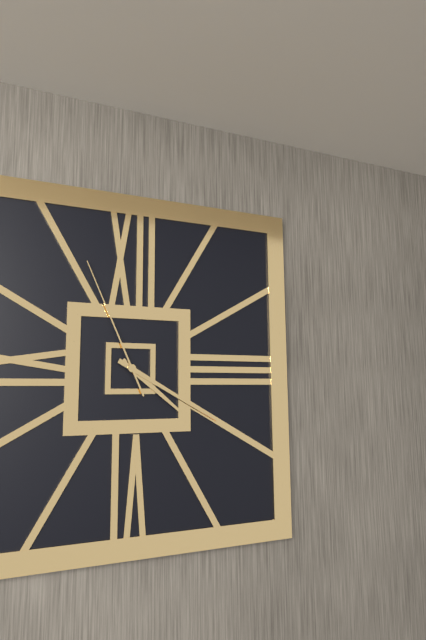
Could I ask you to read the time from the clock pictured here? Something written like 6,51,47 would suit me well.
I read 4,20,56
